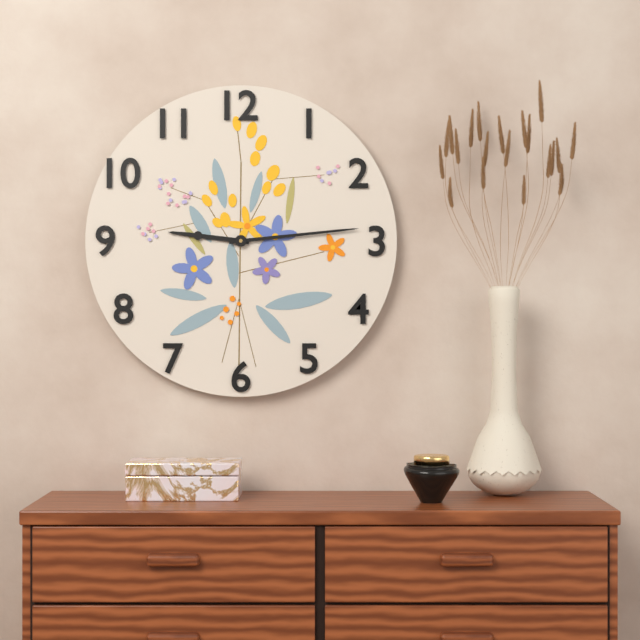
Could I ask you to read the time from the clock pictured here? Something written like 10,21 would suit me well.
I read 9,14
